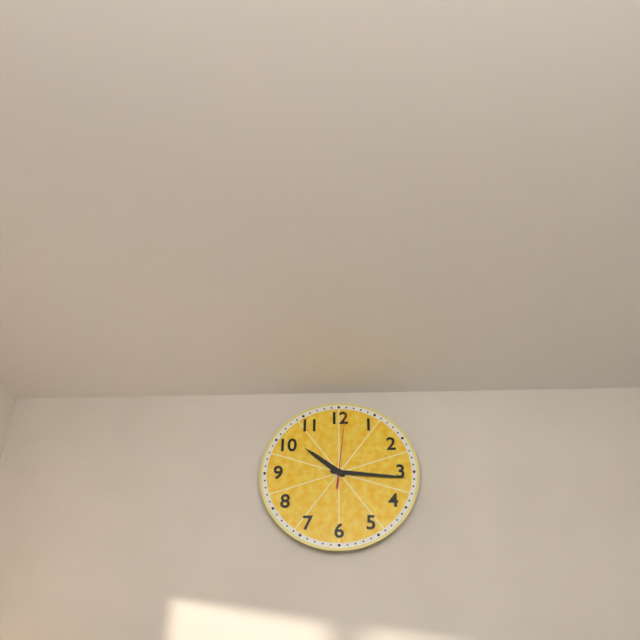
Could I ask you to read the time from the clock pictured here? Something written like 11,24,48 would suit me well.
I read 10,16,01
